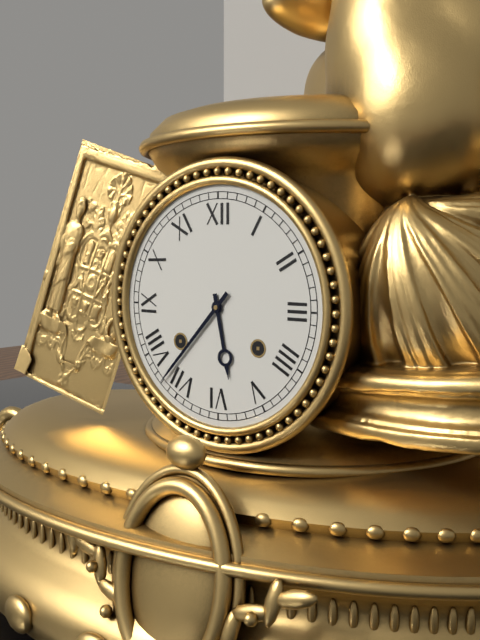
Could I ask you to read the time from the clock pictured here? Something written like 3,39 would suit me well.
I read 5,37
